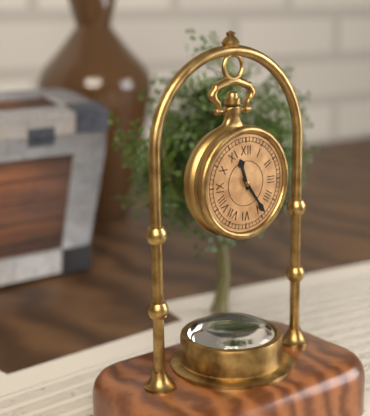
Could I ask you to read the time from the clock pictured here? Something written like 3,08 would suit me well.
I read 11,24
